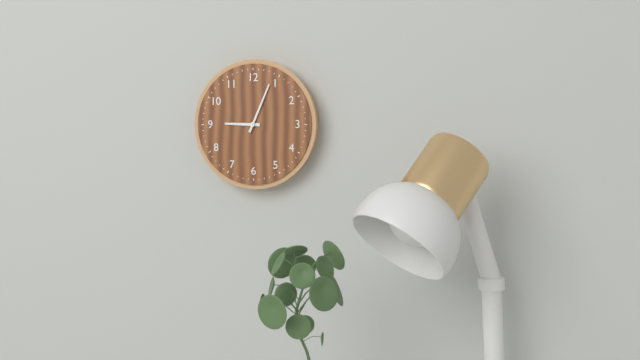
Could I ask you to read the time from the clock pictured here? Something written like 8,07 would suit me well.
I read 9,04
